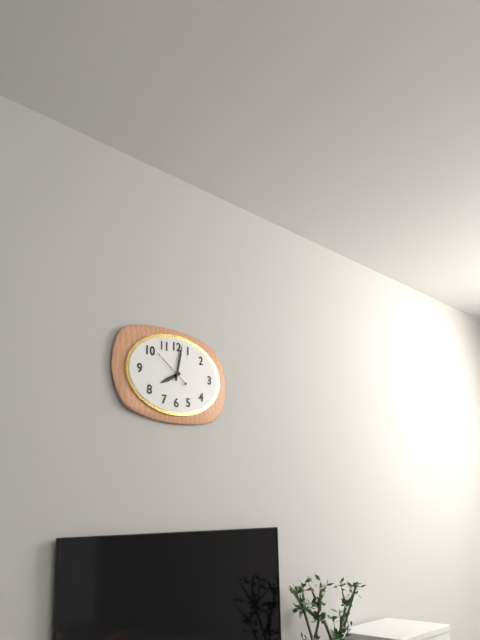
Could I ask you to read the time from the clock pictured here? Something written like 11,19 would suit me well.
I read 8,02
